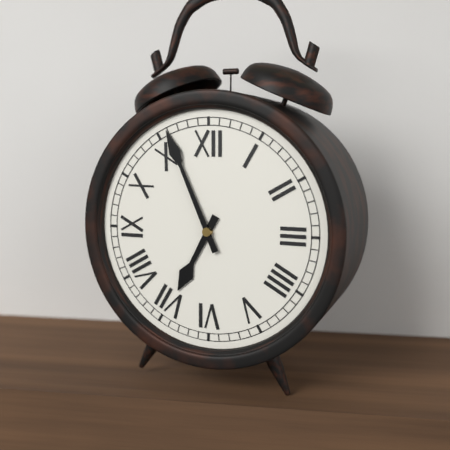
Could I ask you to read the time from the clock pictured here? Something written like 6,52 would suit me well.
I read 6,56
